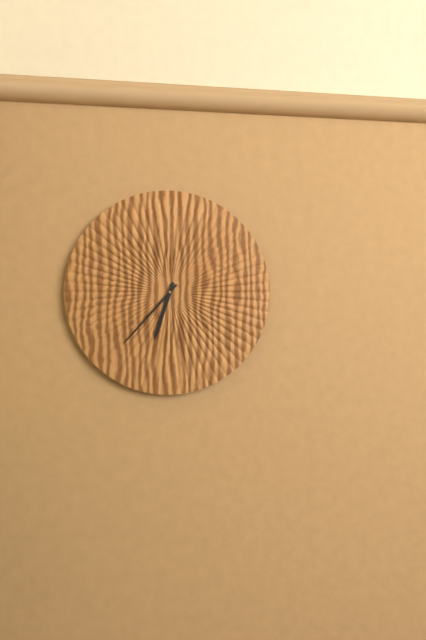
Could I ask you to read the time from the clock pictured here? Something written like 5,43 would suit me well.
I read 6,37
